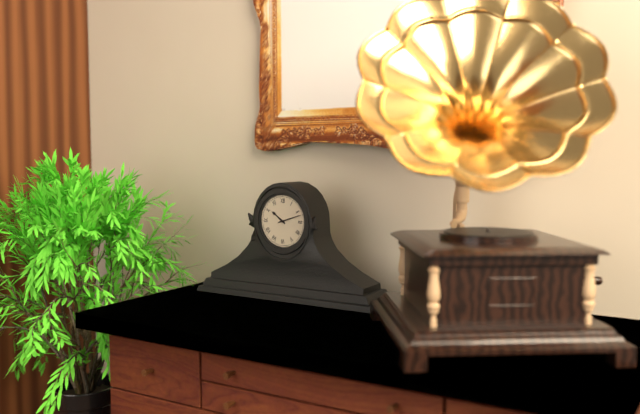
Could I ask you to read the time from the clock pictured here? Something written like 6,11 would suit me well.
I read 10,12
